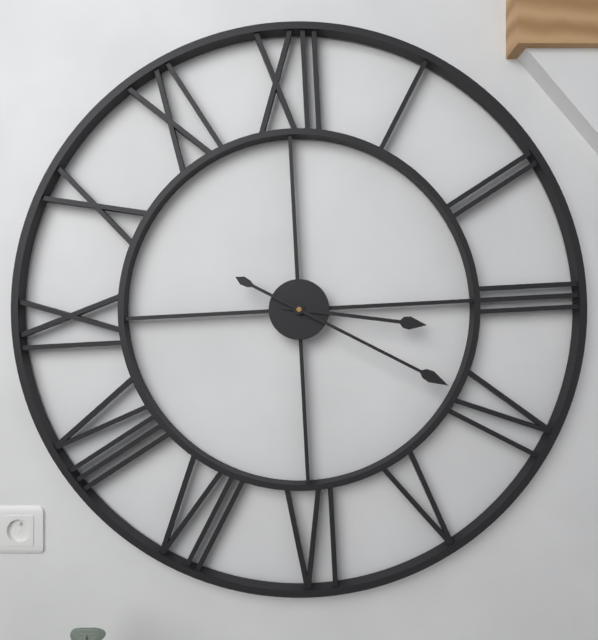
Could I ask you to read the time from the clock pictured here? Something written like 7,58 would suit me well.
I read 3,20
